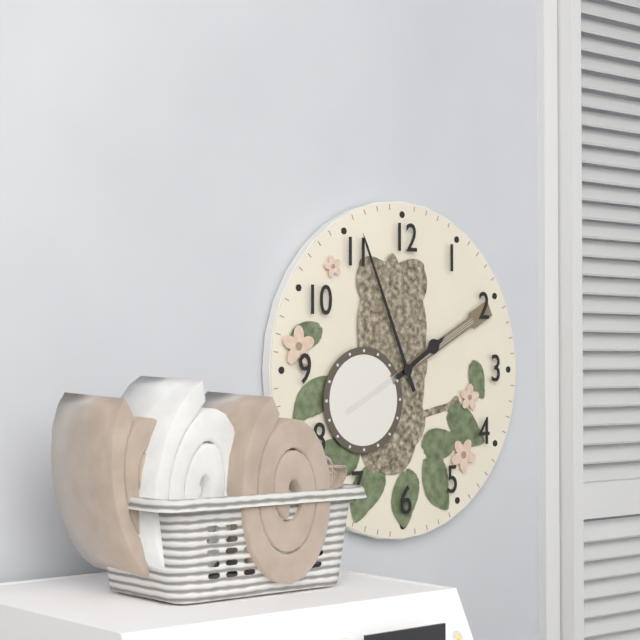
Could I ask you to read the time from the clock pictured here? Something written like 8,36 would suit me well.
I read 1,56
